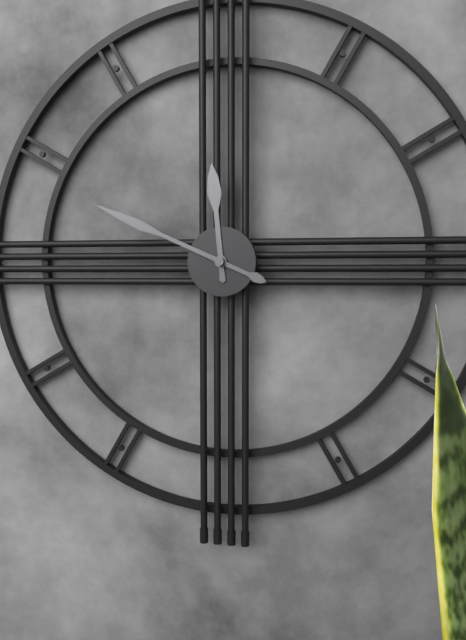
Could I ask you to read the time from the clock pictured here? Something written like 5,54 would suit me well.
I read 11,49
